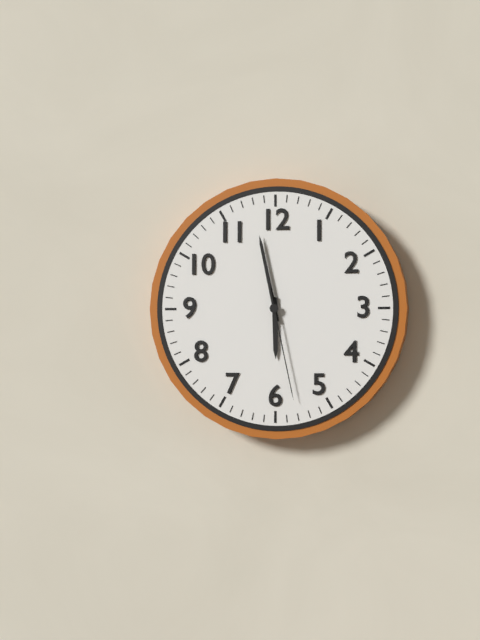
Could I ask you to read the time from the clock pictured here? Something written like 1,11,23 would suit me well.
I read 5,58,28
